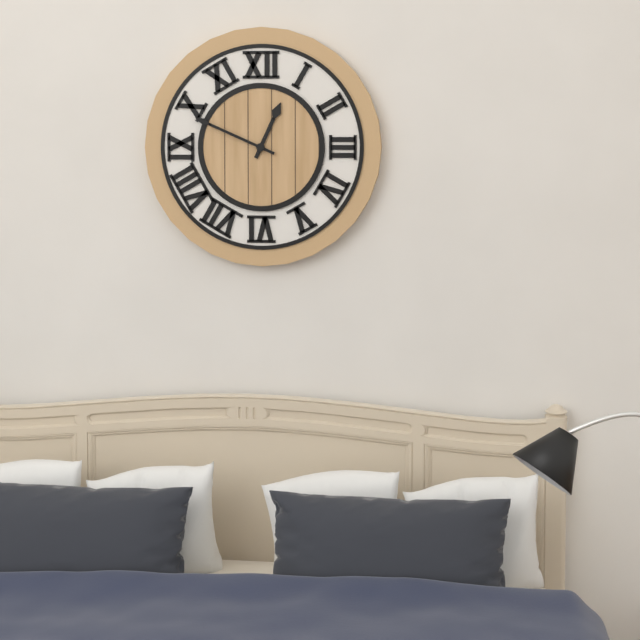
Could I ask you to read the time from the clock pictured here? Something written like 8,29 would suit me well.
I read 12,49
